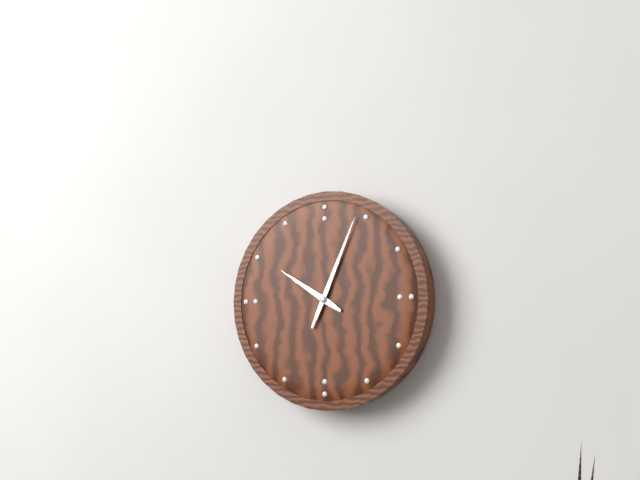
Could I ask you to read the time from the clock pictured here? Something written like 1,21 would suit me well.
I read 10,04
